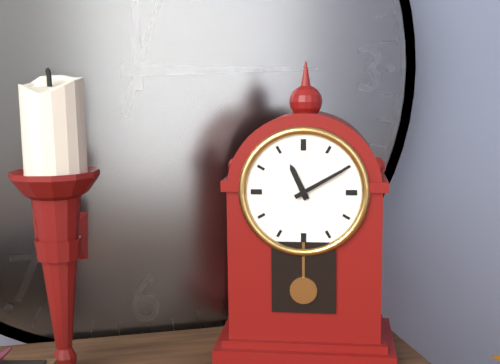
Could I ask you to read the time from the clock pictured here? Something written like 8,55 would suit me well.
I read 11,10
